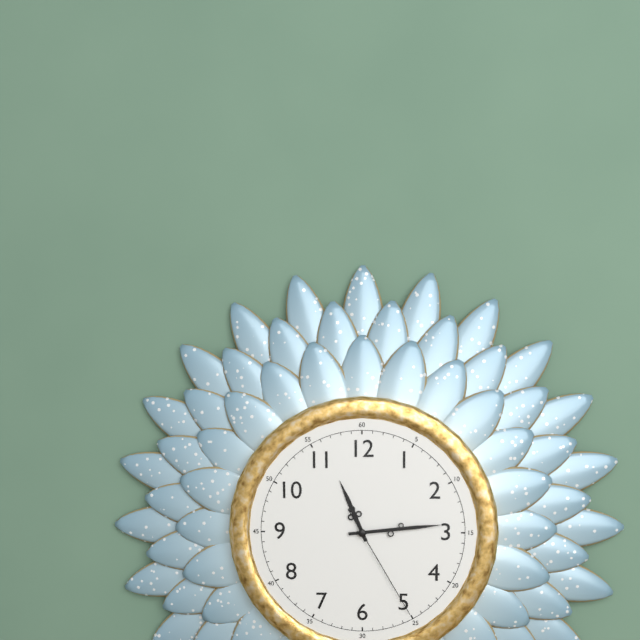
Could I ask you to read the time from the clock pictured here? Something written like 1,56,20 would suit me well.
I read 11,14,25
